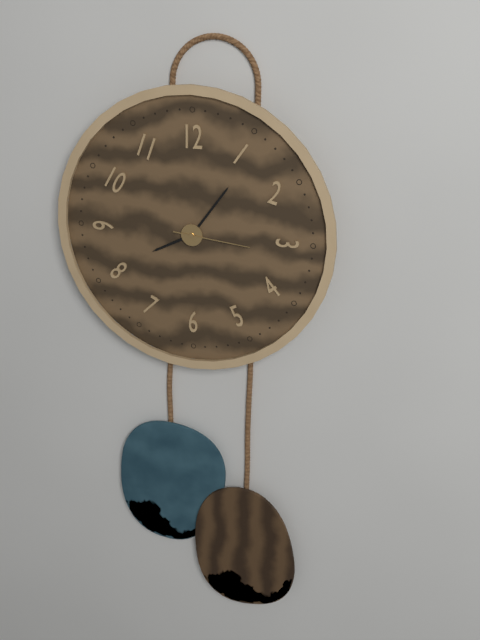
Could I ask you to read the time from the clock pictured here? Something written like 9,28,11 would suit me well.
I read 8,06,16
